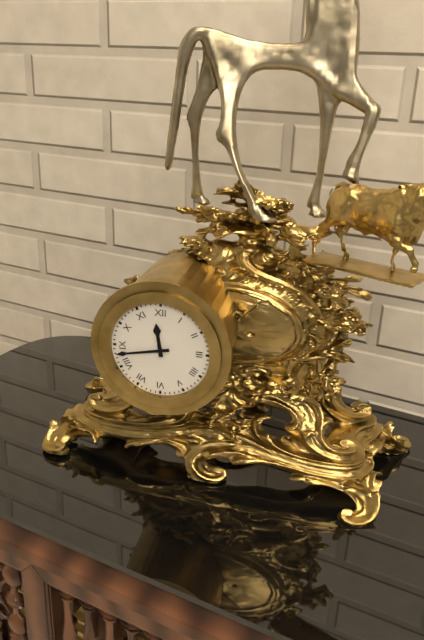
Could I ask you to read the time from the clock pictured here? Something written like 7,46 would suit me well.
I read 11,43
